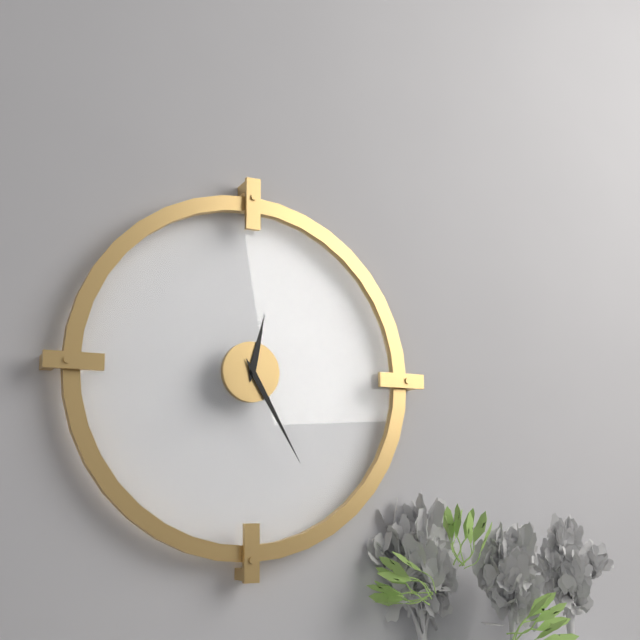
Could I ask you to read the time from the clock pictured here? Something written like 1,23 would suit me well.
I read 12,25
